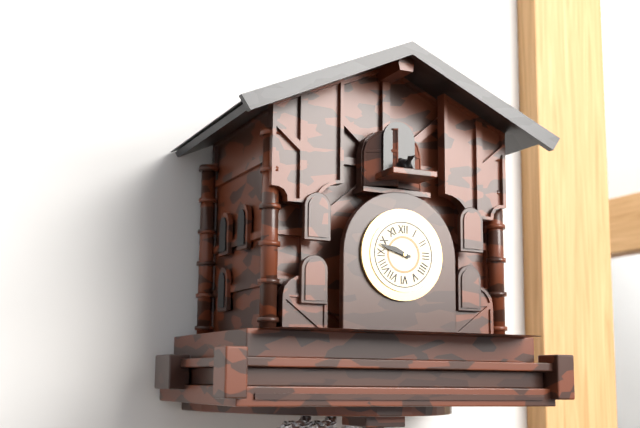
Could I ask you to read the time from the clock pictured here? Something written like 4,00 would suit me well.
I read 9,48
